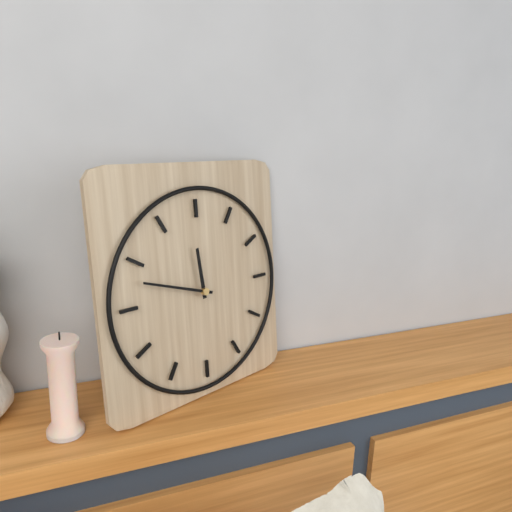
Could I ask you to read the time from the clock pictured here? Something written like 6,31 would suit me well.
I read 11,48
